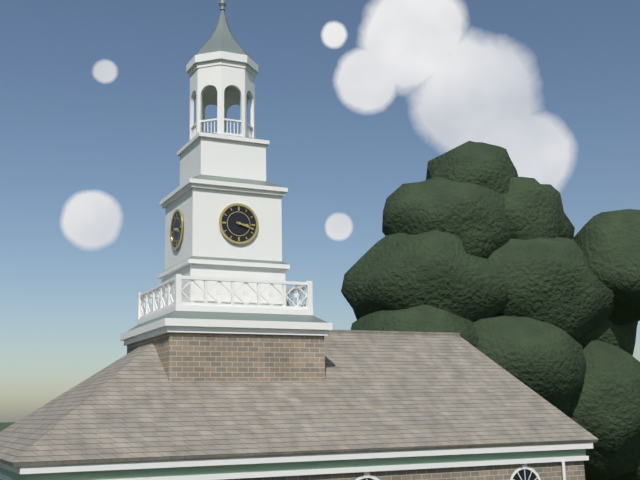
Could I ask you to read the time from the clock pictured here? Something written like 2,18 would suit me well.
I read 3,18
